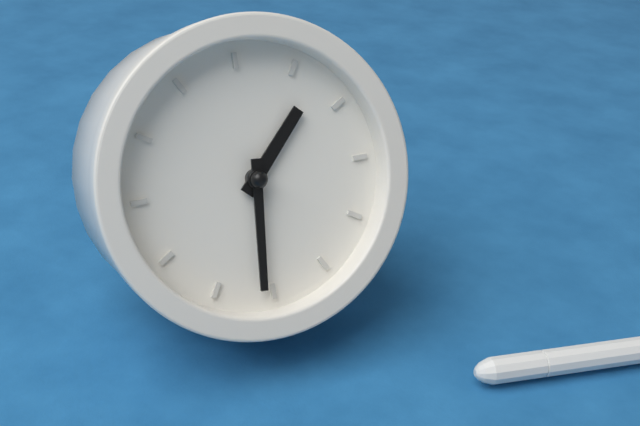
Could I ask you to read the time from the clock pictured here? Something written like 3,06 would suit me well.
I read 12,26
